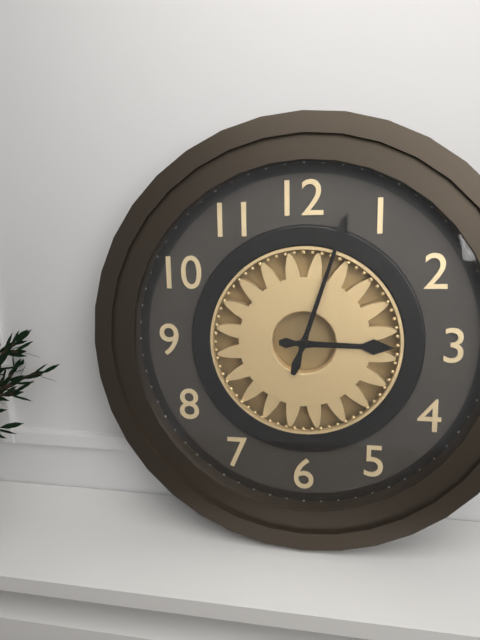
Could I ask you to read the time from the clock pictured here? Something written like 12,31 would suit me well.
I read 3,03
